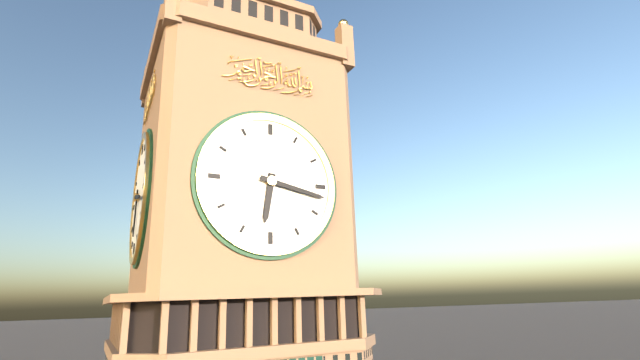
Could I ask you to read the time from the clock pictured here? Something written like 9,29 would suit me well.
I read 6,17
